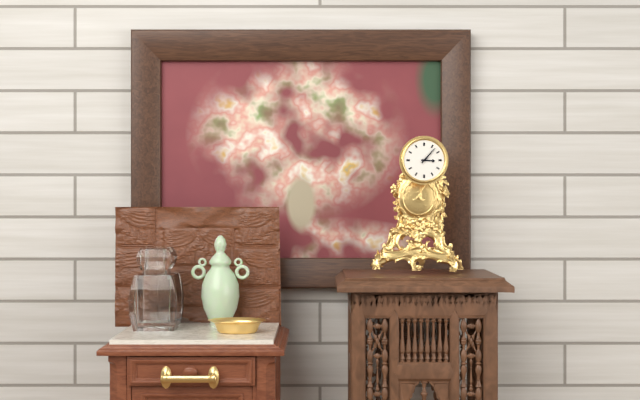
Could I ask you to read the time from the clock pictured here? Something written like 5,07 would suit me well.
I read 3,07
